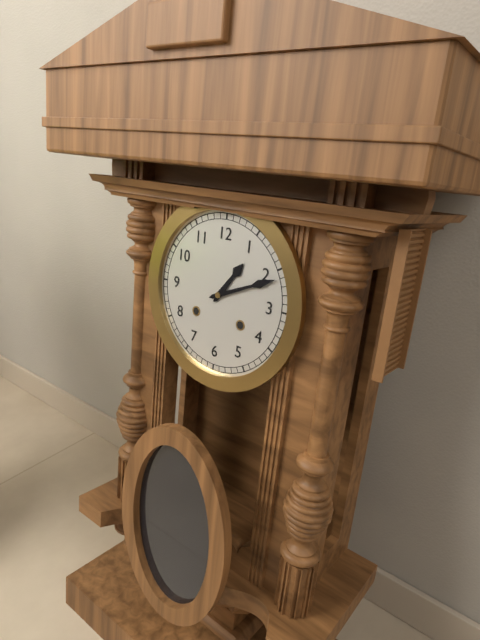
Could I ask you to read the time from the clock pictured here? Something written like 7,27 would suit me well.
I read 1,11
